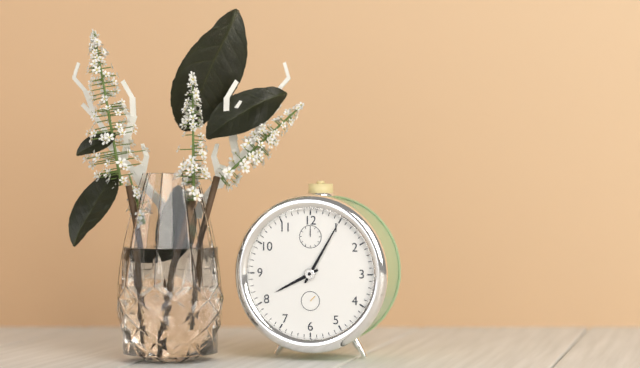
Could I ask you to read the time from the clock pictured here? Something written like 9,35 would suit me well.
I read 8,05
